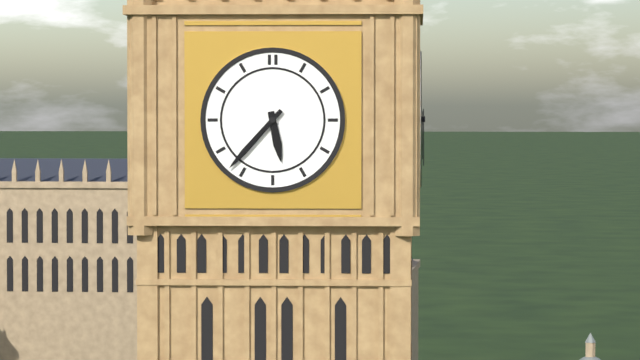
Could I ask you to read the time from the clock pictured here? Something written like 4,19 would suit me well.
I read 5,37
